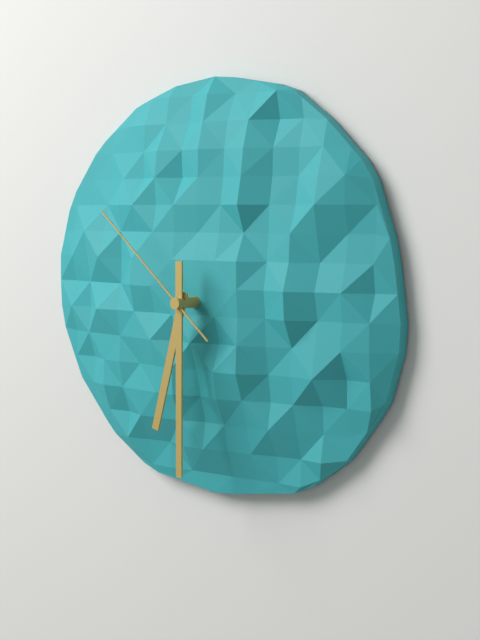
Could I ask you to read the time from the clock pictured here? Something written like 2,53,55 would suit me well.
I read 6,30,52
